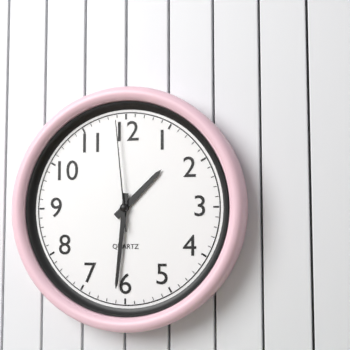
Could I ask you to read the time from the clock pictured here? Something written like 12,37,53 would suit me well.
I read 1,31,59
